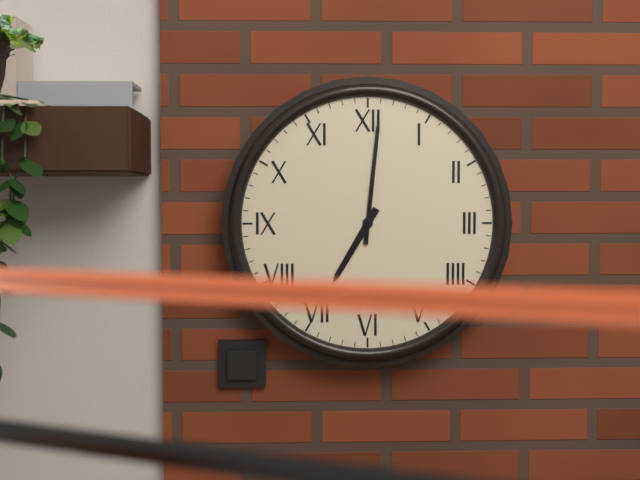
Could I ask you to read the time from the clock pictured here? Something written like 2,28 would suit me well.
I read 7,01
